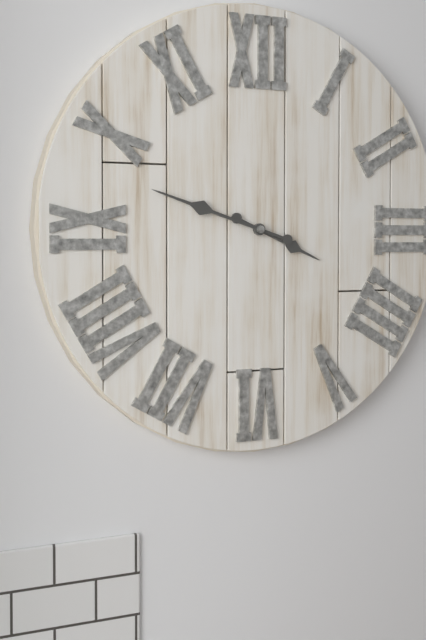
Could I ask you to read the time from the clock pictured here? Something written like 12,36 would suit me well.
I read 3,48
